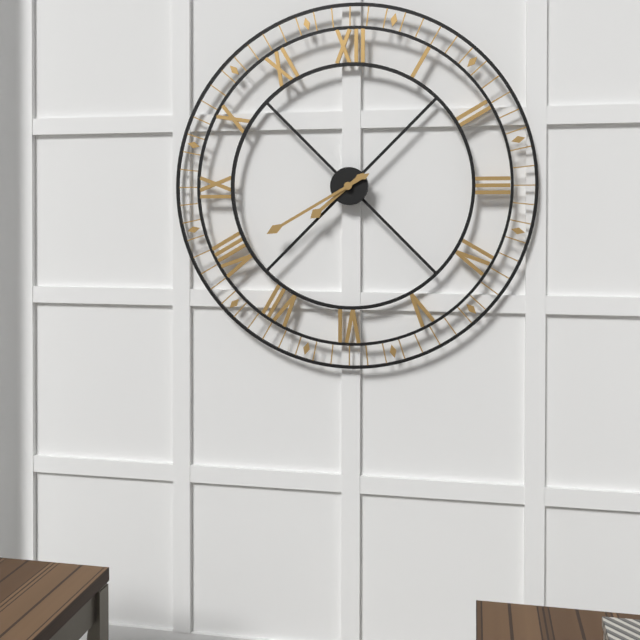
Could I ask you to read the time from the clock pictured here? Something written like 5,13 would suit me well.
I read 7,40
